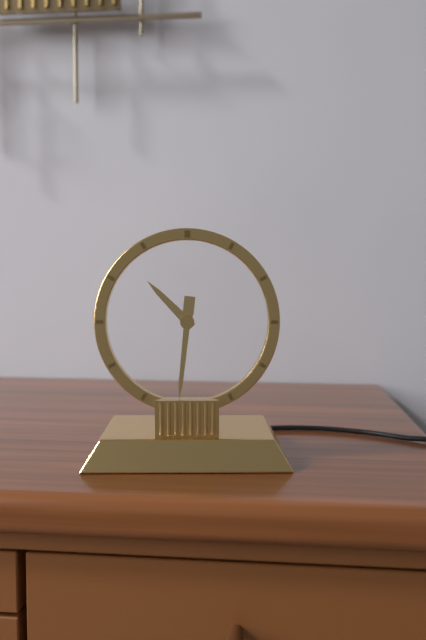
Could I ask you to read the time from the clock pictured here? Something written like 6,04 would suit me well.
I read 10,31
